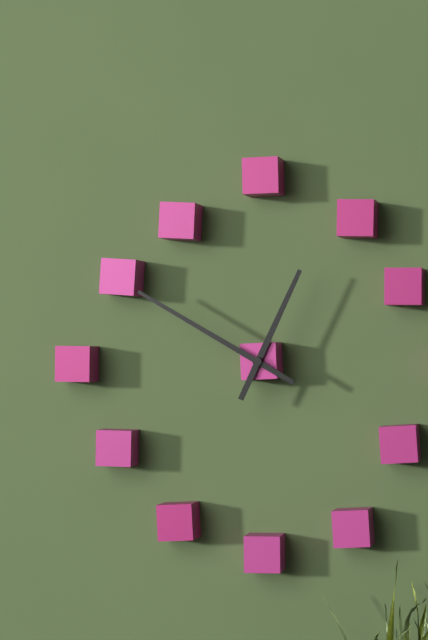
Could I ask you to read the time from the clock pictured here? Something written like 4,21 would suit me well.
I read 12,50
